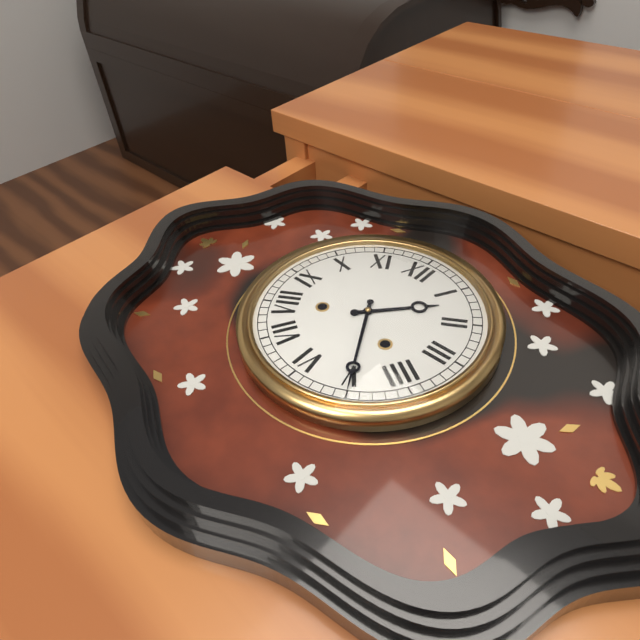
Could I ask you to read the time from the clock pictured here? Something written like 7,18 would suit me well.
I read 1,25
